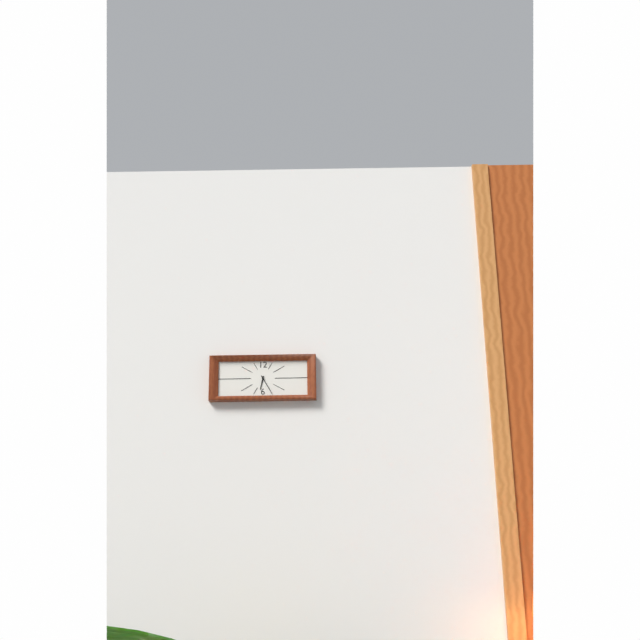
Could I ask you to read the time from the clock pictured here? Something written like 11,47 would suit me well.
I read 6,25
